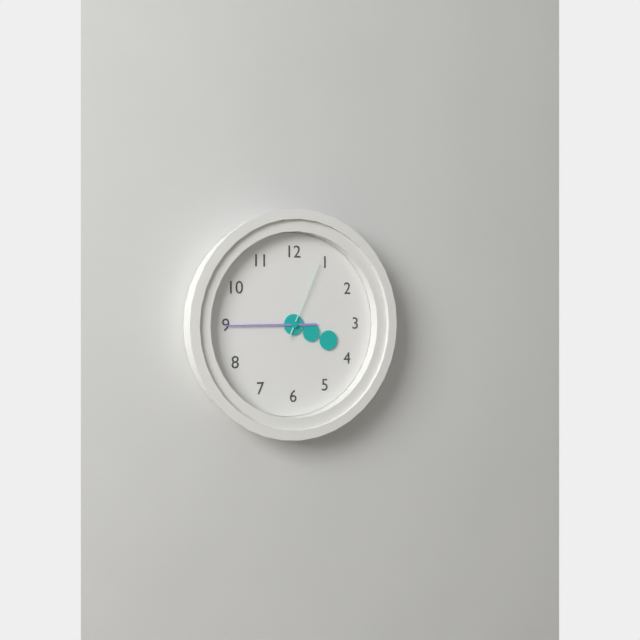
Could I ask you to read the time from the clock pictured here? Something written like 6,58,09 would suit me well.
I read 3,45,04
